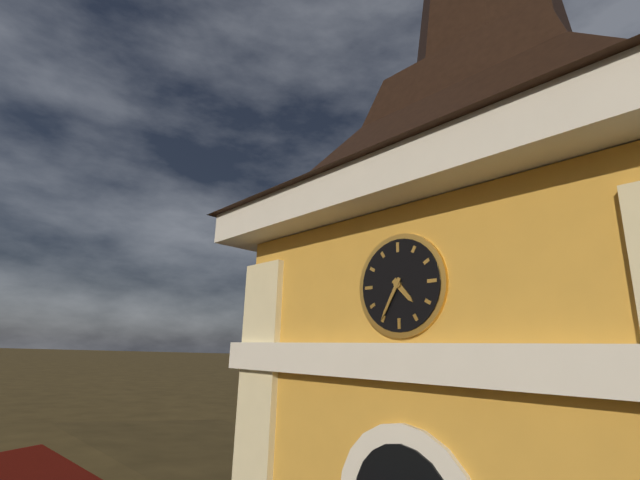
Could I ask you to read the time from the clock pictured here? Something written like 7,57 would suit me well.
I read 4,35
